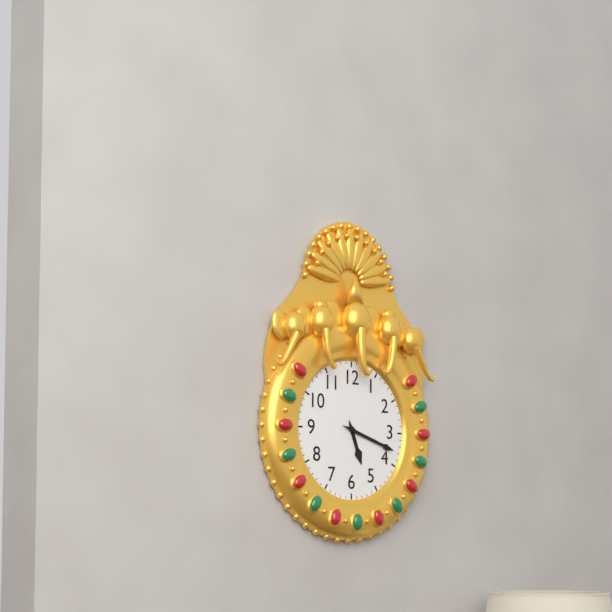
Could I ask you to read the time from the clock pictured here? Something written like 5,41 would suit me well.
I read 5,18
